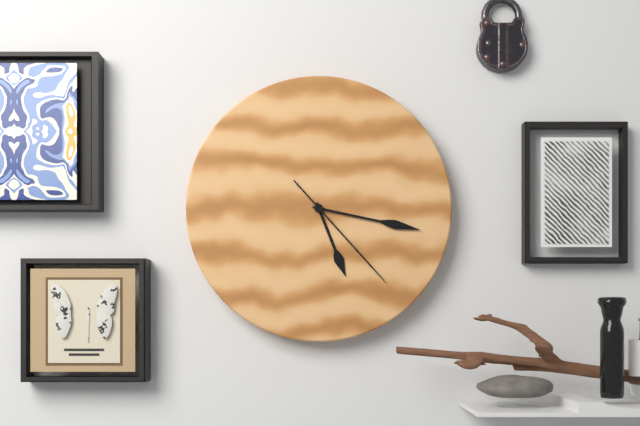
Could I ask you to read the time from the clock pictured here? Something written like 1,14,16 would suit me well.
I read 5,17,23
